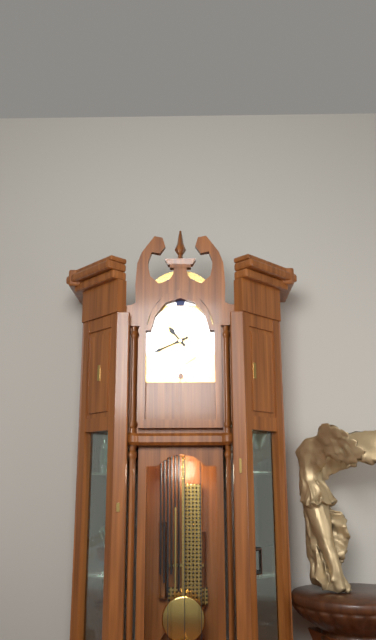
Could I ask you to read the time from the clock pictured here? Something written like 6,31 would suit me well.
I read 10,41
